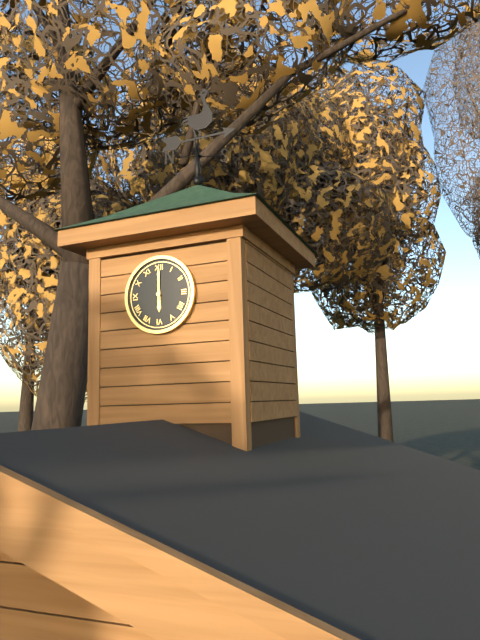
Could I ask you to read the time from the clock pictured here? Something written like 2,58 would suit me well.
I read 6,00
